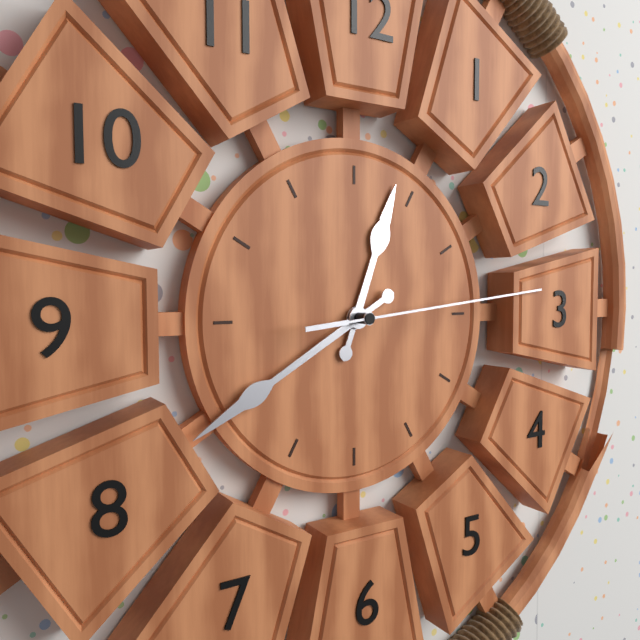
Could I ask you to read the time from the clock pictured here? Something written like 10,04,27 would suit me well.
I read 12,40,14
